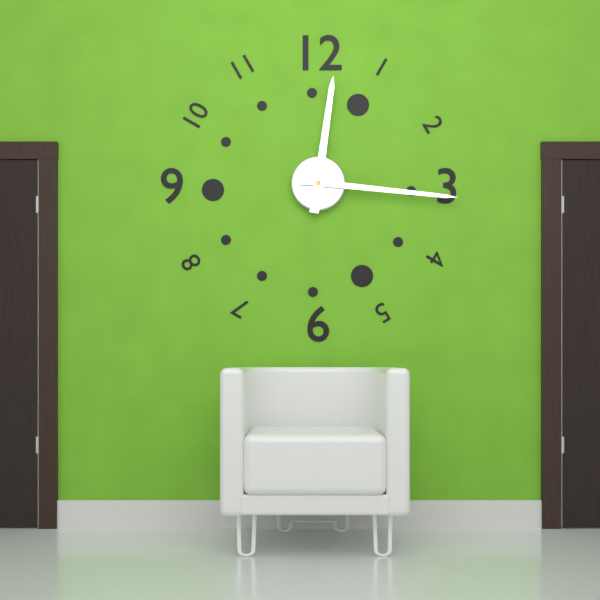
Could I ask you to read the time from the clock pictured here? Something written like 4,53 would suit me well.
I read 12,16
